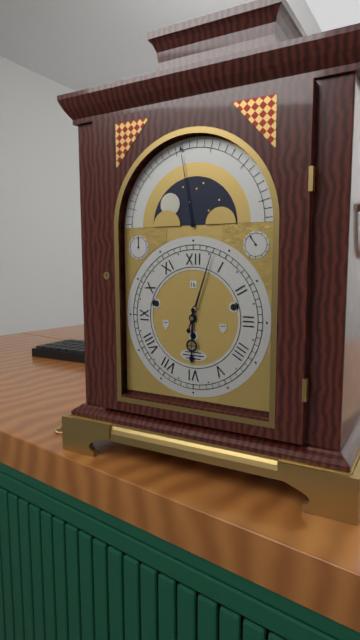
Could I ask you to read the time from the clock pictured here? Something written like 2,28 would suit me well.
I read 6,03
